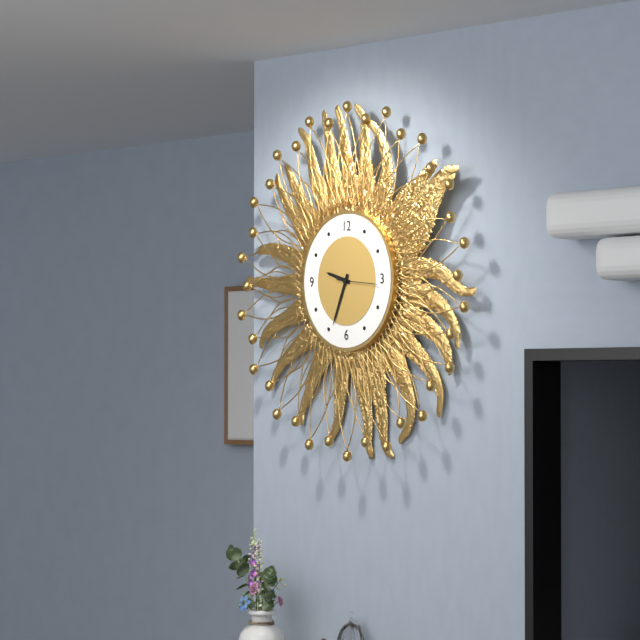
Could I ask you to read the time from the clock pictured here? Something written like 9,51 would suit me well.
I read 9,34
